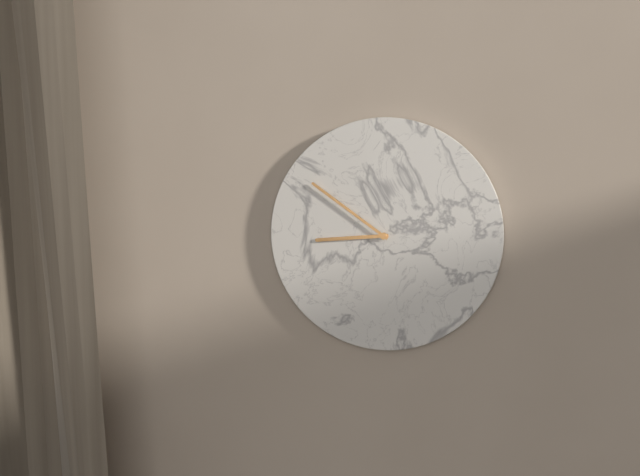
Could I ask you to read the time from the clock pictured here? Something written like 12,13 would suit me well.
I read 8,51
